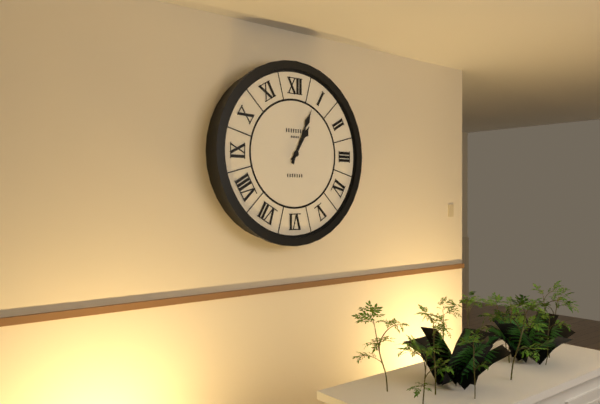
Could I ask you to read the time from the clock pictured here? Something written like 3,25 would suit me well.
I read 1,04
